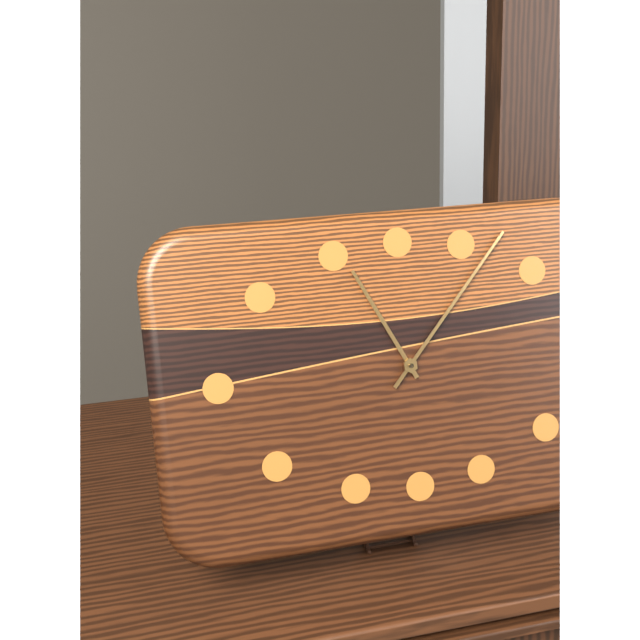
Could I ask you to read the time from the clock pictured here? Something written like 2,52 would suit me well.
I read 11,07
